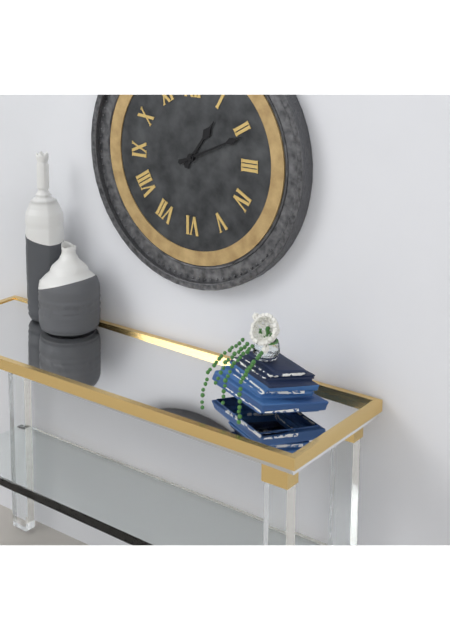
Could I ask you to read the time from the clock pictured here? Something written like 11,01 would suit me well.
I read 1,11
